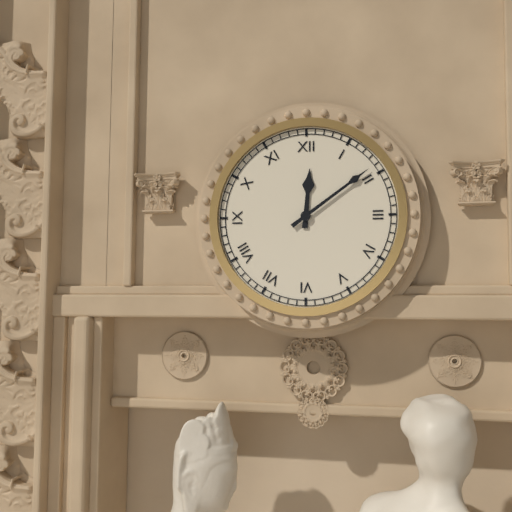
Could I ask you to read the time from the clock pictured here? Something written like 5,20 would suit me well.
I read 12,09
